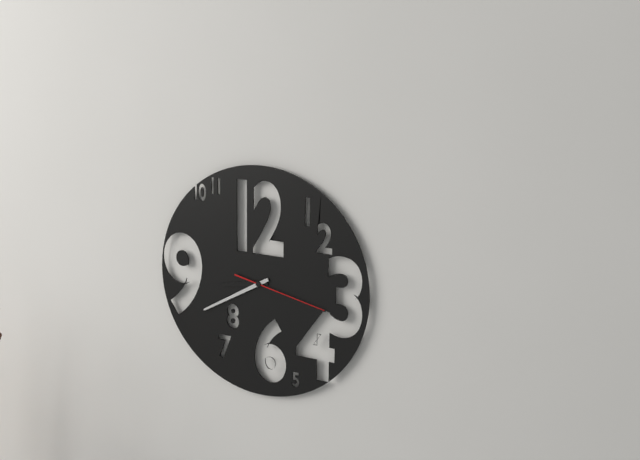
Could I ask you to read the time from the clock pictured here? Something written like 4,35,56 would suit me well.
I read 8,40,17
